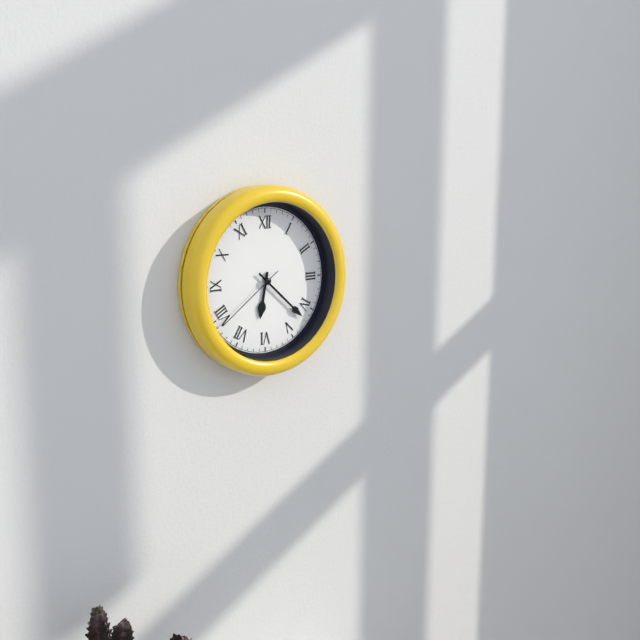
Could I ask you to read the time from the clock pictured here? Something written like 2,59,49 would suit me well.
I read 6,22,39
